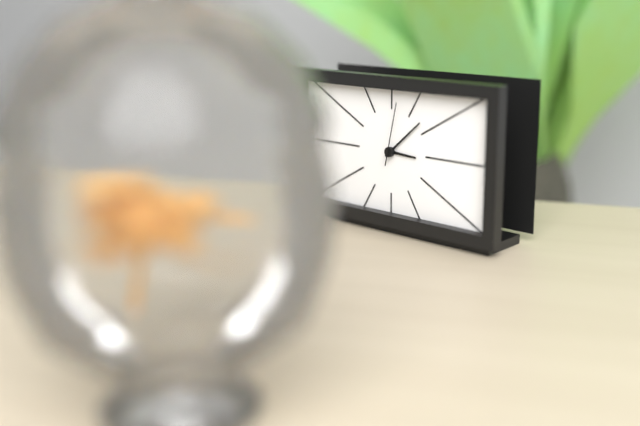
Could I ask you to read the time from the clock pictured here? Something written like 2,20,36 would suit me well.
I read 3,08,02
